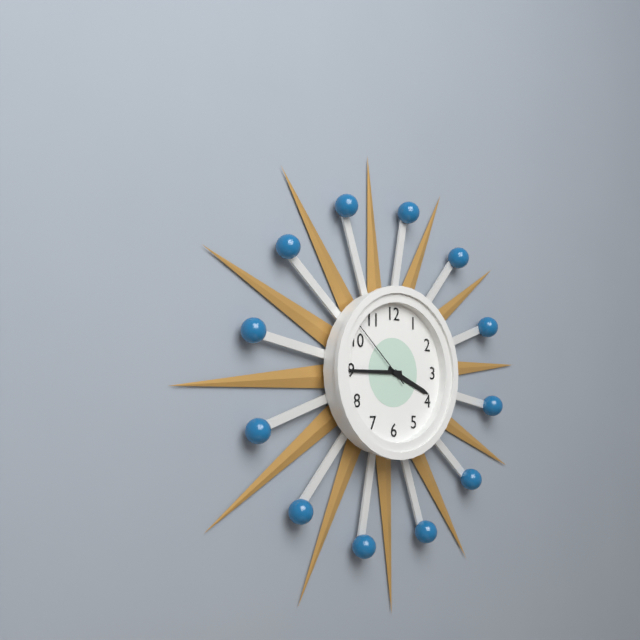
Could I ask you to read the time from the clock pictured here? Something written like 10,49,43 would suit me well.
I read 3,45,52
